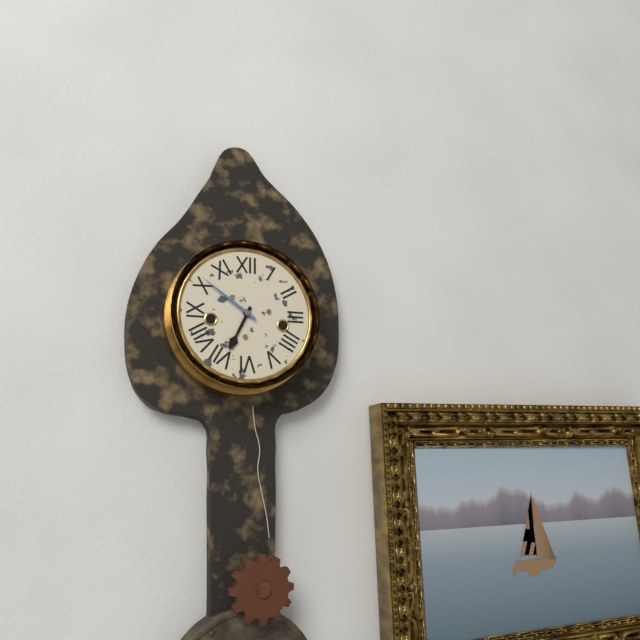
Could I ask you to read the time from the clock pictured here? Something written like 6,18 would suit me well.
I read 6,51
